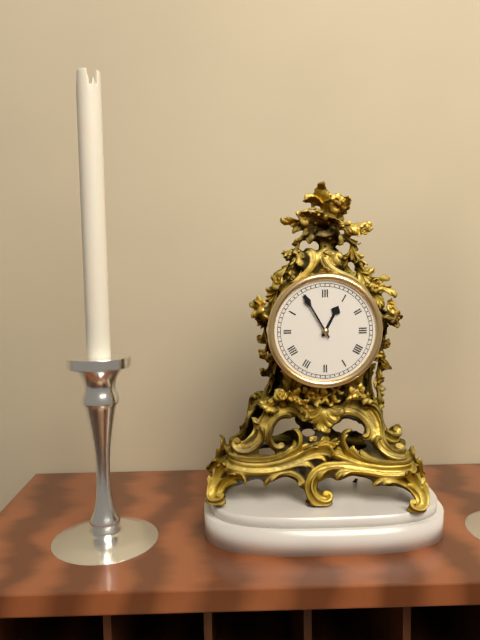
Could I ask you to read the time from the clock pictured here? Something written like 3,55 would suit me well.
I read 12,55
